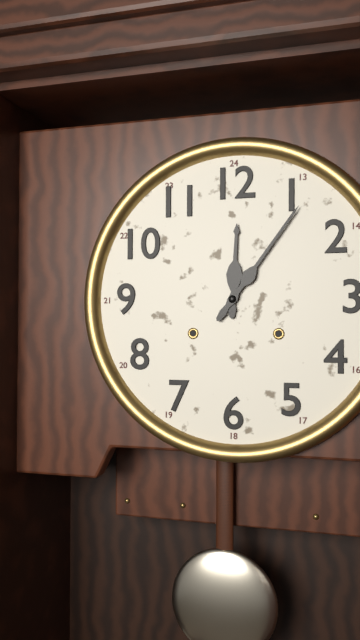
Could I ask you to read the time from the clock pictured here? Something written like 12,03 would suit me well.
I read 12,06
